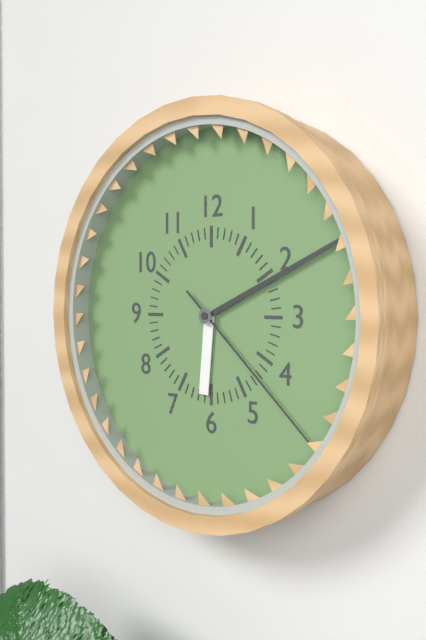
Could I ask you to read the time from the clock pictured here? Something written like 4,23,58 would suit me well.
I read 6,11,22
